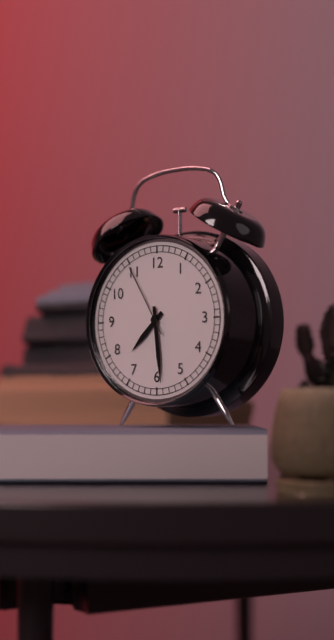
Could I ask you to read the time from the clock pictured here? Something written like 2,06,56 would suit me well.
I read 7,29,55
